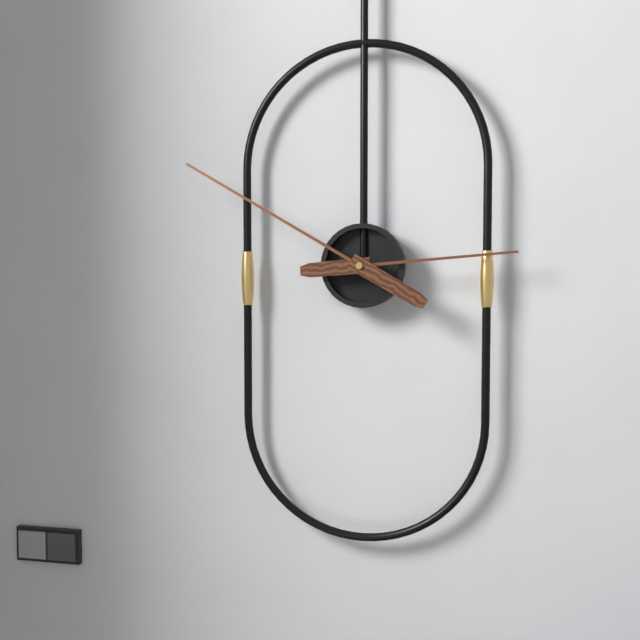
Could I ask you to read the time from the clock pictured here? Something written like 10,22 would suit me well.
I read 2,50
